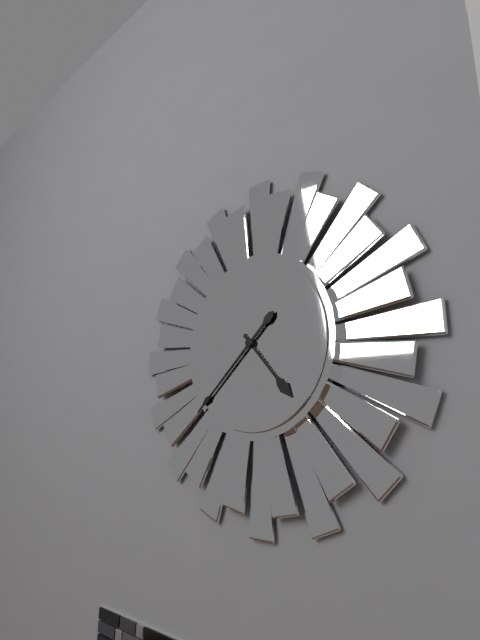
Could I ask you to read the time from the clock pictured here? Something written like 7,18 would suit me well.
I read 4,38
